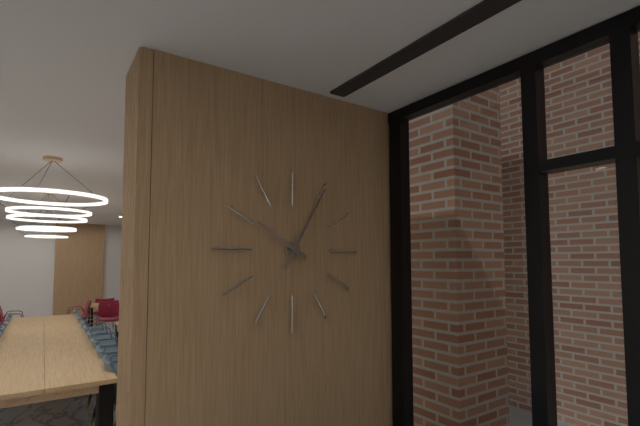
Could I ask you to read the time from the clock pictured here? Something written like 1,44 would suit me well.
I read 10,05
